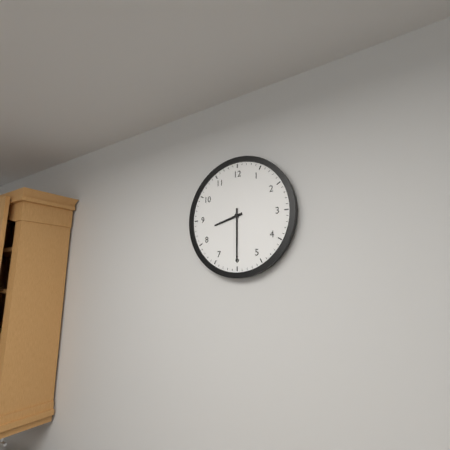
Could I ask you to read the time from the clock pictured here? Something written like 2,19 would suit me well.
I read 8,30
